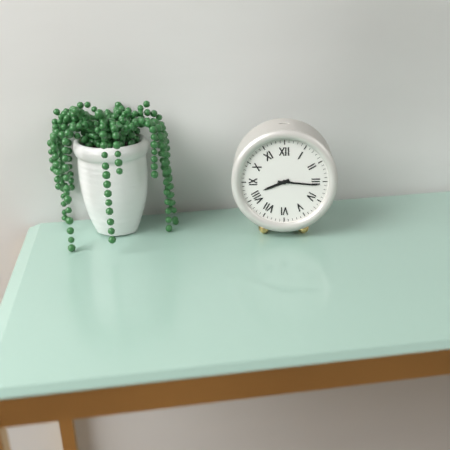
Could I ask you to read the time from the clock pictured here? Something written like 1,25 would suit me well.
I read 8,16
